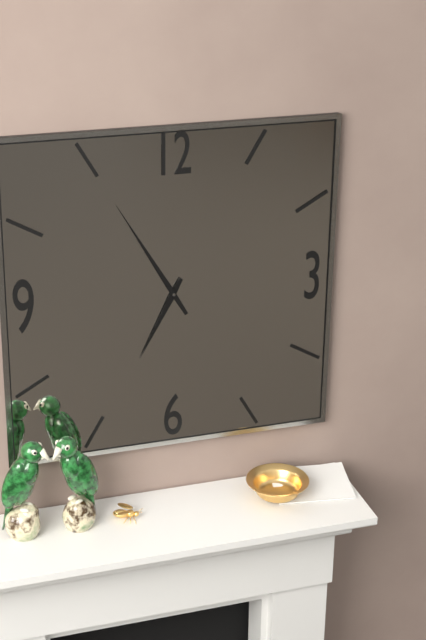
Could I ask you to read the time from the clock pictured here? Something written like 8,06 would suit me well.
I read 6,55
